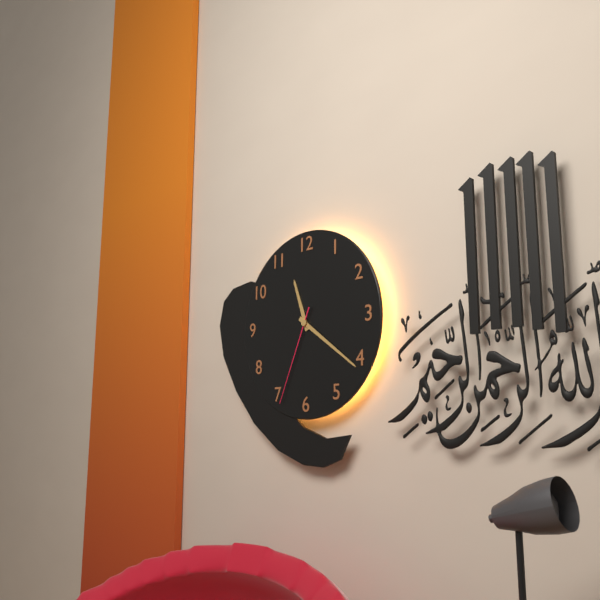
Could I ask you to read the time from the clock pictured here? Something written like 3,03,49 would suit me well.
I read 11,21,34
